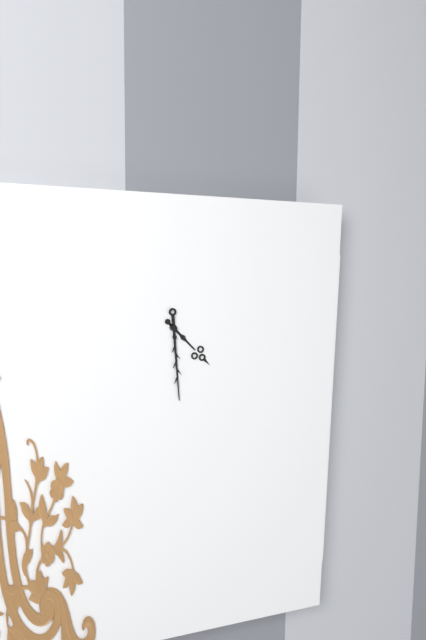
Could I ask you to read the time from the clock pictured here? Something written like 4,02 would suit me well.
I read 4,29
